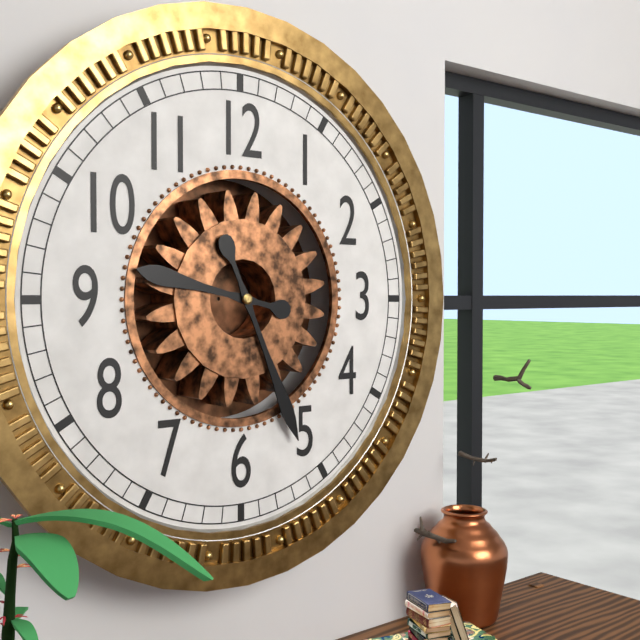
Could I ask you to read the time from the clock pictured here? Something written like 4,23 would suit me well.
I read 9,26
